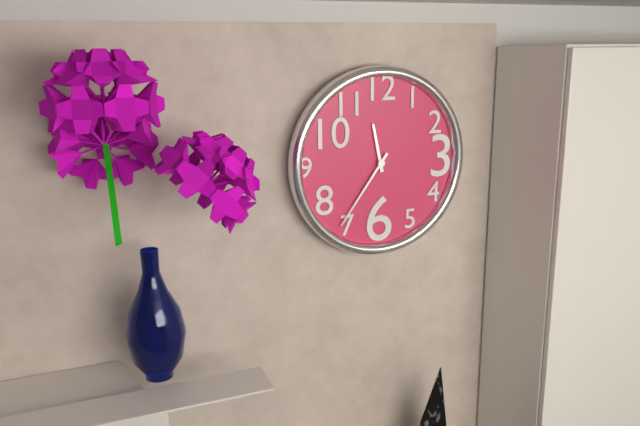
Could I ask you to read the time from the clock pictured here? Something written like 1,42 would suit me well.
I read 11,36
